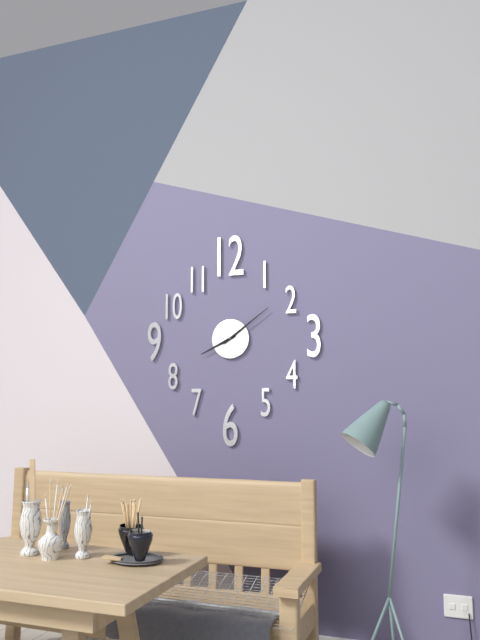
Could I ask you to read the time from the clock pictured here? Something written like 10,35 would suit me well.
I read 8,09
